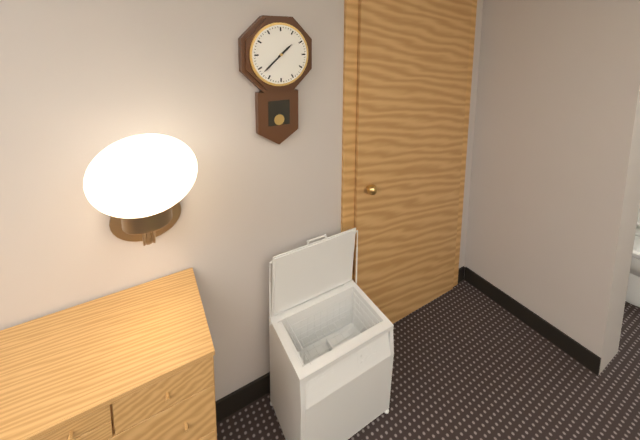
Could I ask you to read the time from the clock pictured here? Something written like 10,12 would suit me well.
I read 1,38
